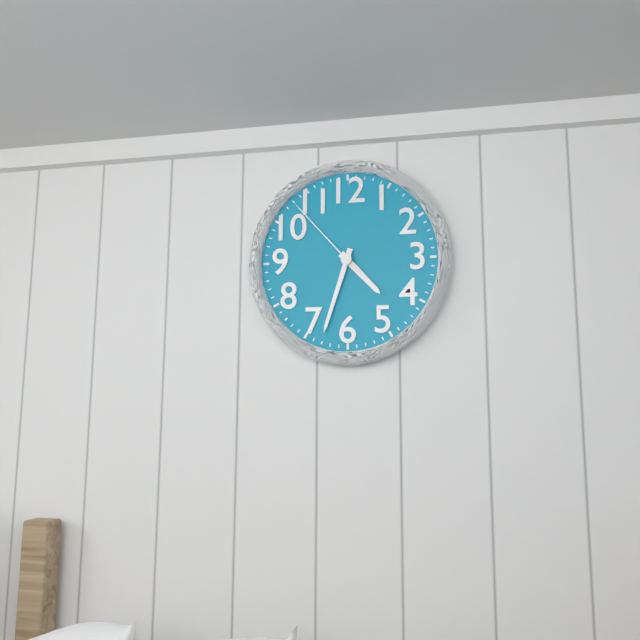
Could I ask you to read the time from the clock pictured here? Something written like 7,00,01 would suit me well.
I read 4,33,53
